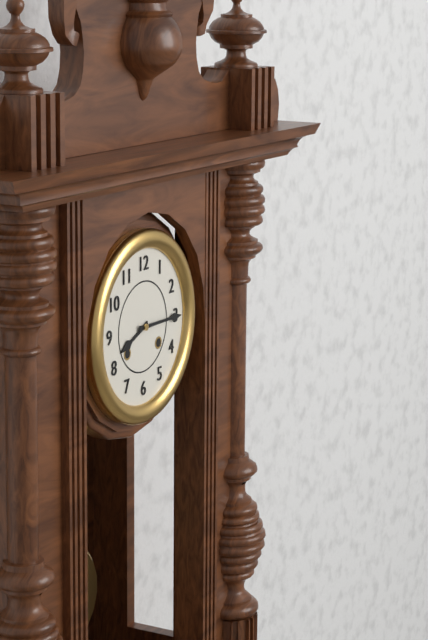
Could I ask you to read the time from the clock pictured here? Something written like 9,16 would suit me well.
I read 8,15
